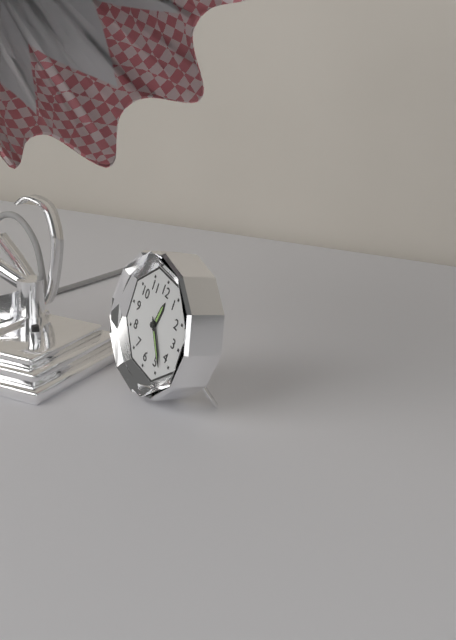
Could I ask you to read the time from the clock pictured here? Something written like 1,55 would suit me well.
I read 12,23
